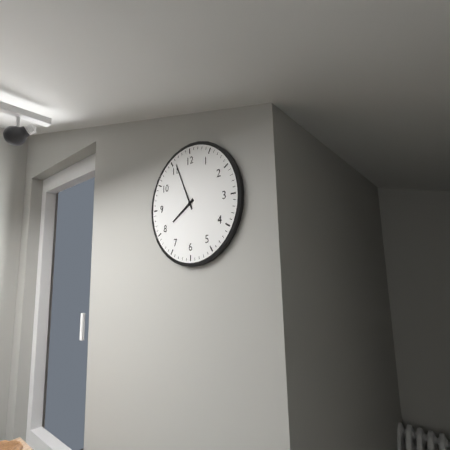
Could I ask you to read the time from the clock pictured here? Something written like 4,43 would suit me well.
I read 7,56
